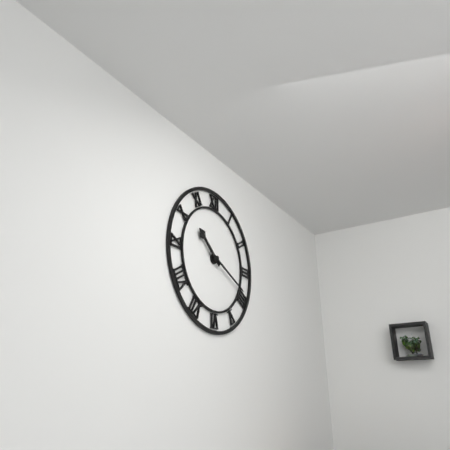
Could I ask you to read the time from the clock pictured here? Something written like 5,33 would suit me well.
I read 10,19
